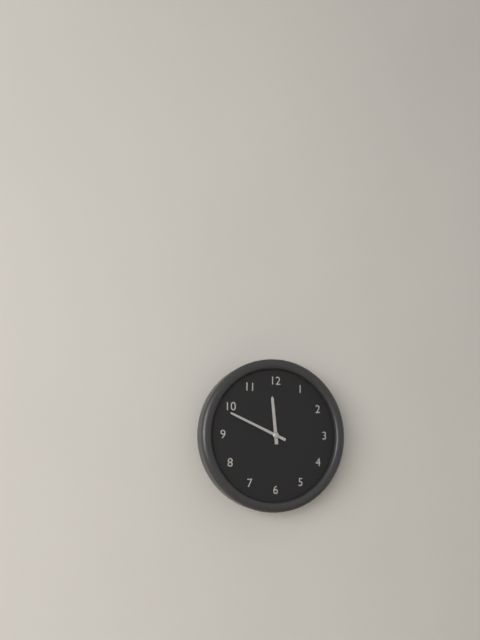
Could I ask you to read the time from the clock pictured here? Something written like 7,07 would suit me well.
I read 11,49
